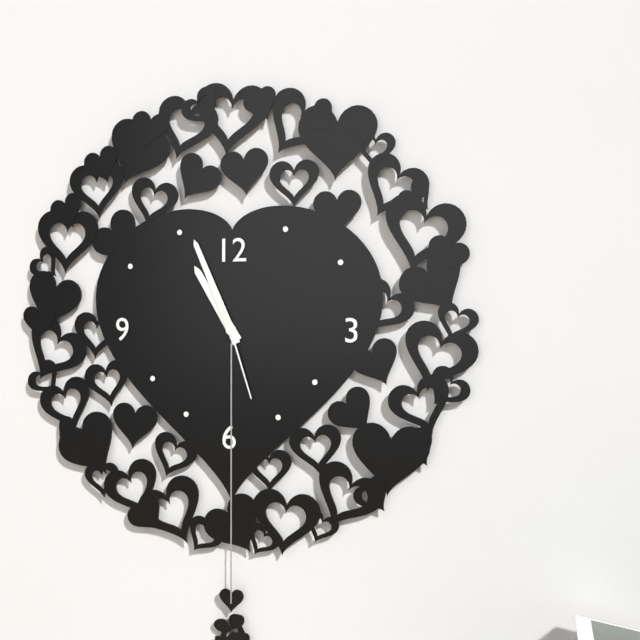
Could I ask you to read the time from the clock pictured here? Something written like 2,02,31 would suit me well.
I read 10,56,27
